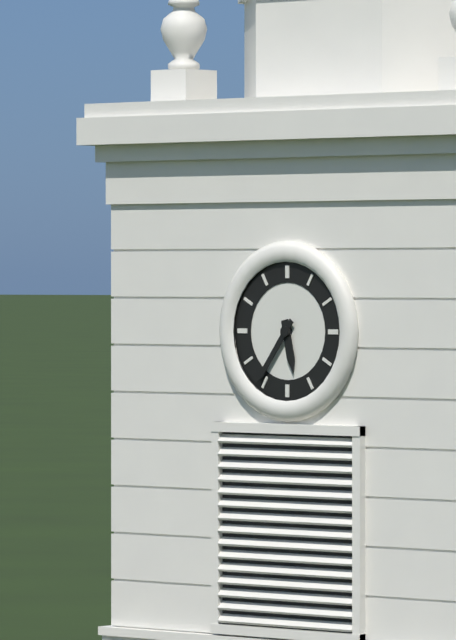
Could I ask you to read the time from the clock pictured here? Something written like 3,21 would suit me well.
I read 5,36
